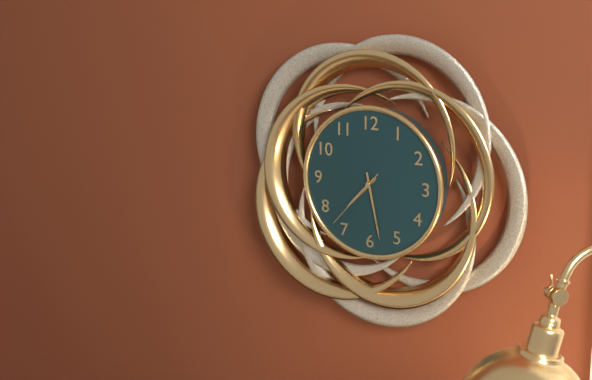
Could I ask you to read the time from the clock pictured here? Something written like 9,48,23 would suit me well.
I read 7,28,37
